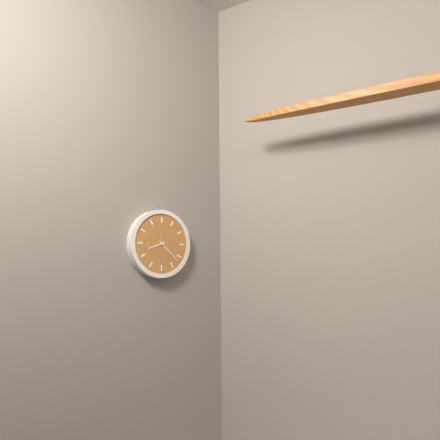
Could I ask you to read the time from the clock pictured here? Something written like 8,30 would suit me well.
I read 8,22
